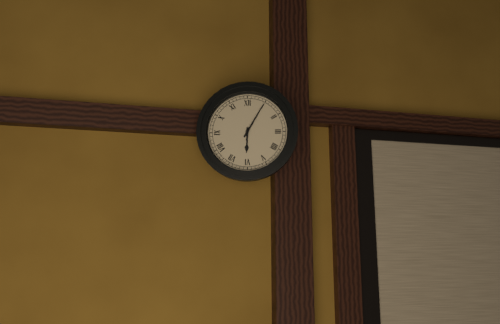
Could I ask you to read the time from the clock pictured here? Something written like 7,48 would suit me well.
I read 6,05
